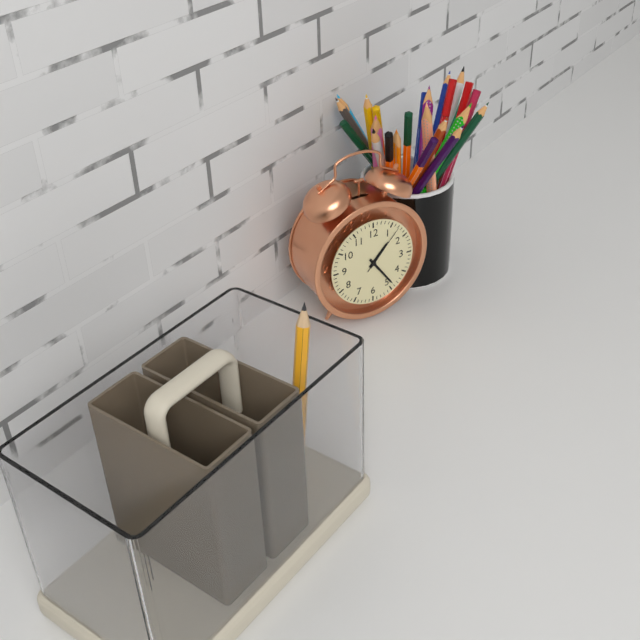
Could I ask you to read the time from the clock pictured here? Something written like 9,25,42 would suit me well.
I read 1,24,07
